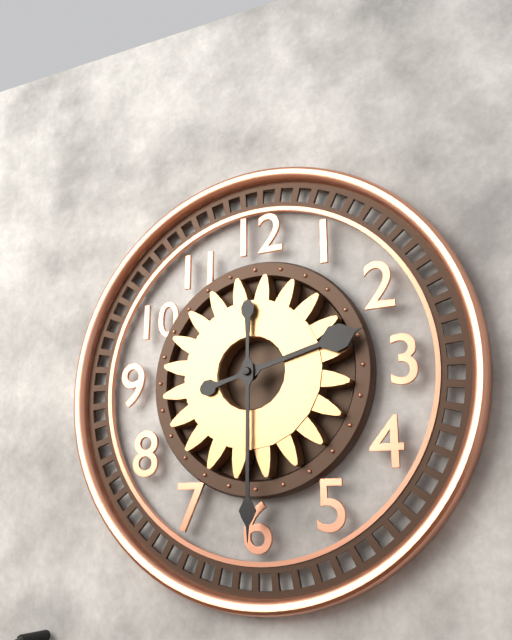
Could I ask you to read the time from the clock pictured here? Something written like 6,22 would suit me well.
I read 2,30
